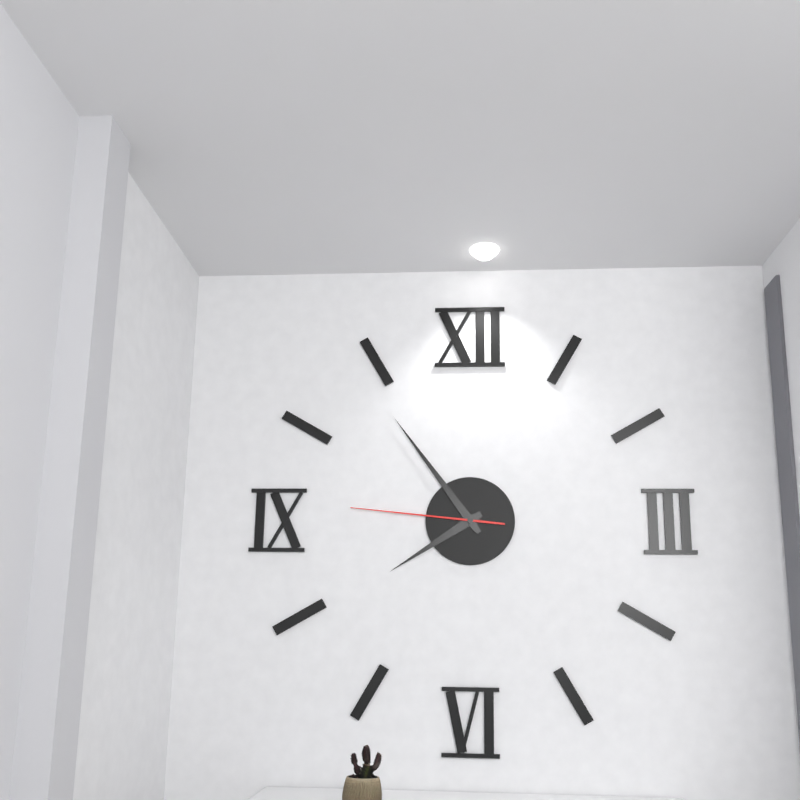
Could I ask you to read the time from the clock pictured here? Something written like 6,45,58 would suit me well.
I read 7,54,46
